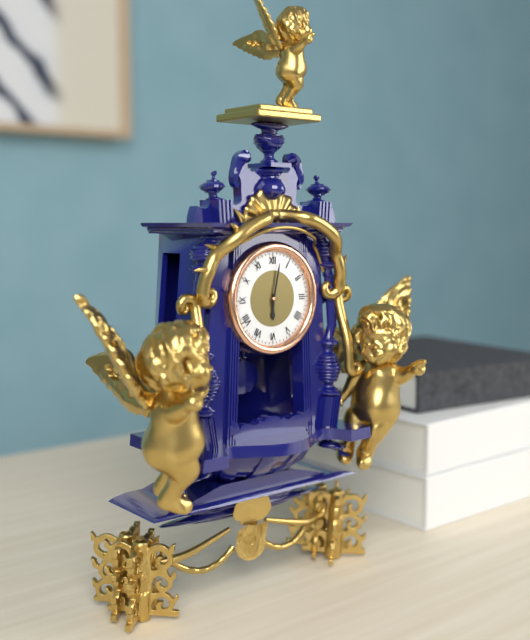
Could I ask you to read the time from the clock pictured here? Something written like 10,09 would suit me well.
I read 6,02
